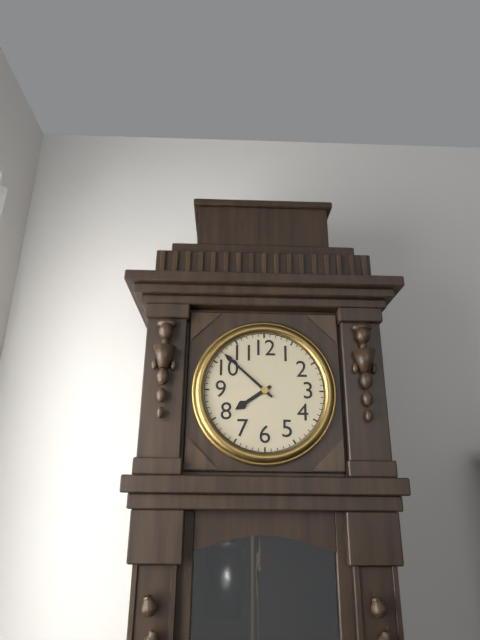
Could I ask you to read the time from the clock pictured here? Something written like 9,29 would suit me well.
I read 7,52
